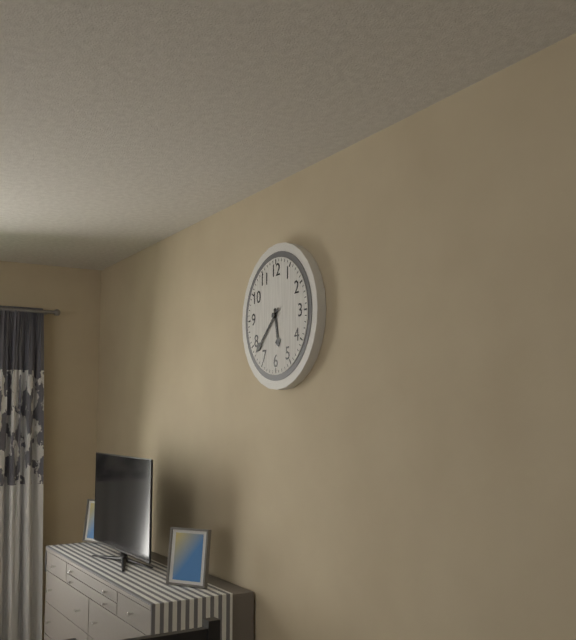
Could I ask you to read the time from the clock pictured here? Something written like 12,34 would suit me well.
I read 5,38
